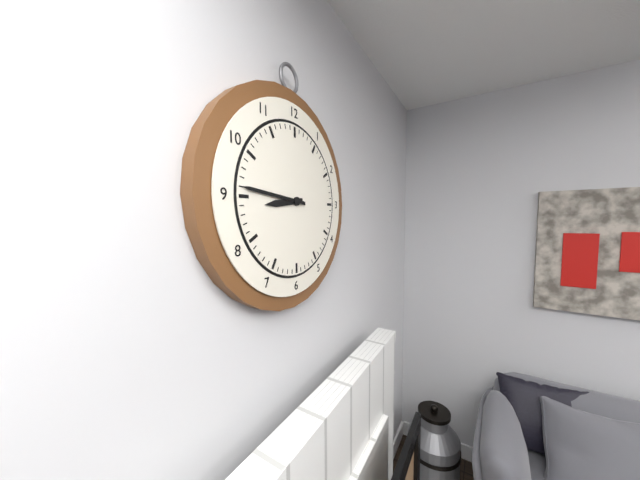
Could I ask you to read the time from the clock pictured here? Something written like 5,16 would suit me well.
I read 8,46
